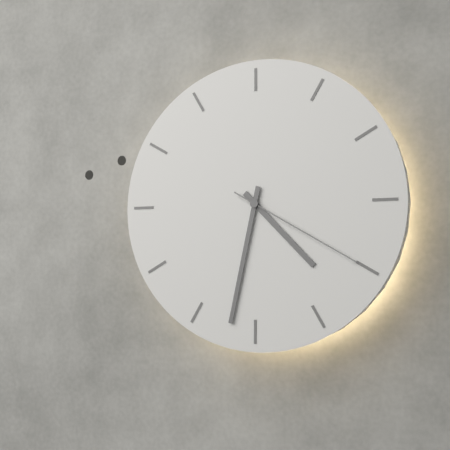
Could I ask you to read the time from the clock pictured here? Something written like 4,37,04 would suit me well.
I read 4,32,20
